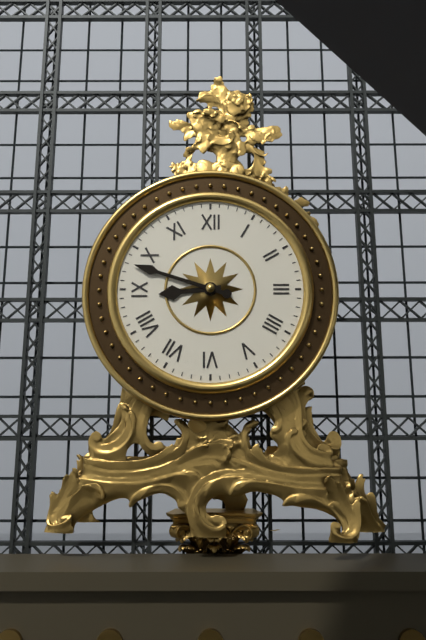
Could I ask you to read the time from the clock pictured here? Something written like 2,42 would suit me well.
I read 8,48
